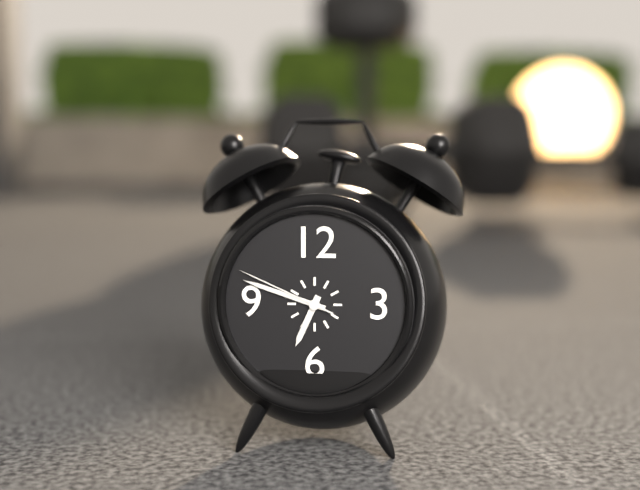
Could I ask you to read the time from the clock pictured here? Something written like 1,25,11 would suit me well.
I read 6,48,49
